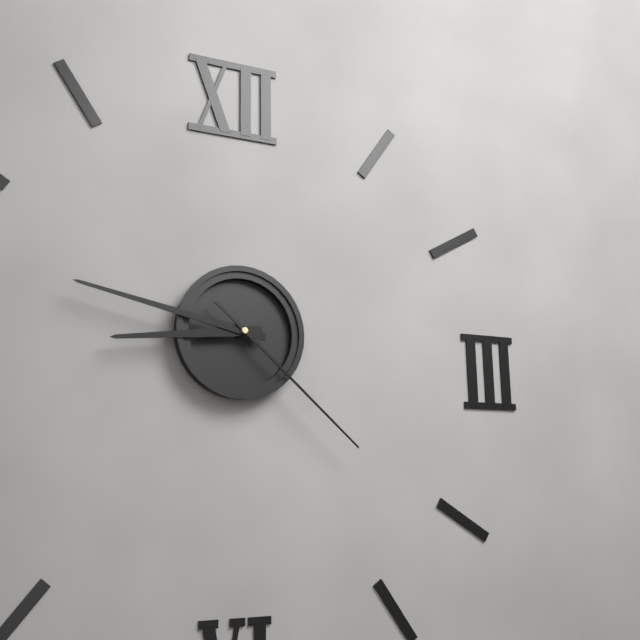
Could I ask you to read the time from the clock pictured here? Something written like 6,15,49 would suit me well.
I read 8,47,22
